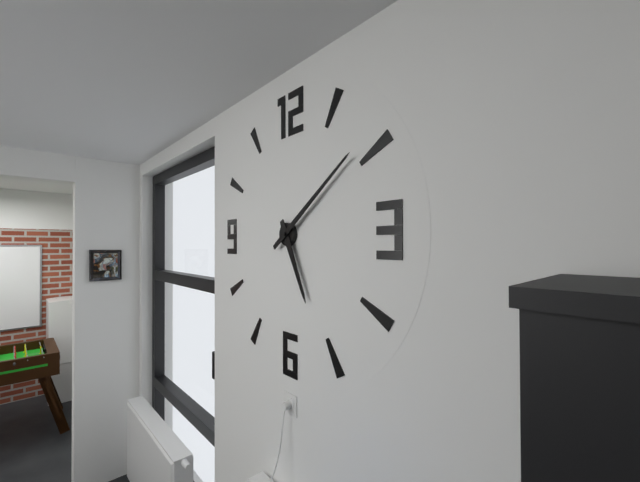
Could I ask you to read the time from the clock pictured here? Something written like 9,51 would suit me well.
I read 5,09
